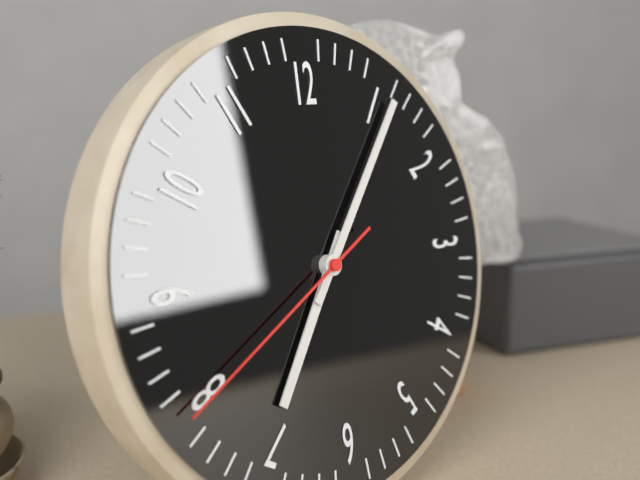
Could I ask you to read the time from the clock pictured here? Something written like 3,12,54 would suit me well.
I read 7,06,40
